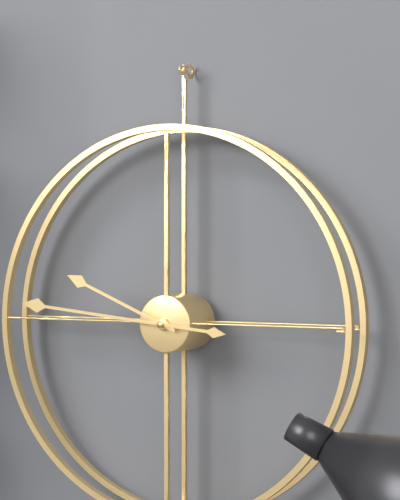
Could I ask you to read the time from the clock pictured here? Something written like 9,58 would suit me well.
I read 9,46
